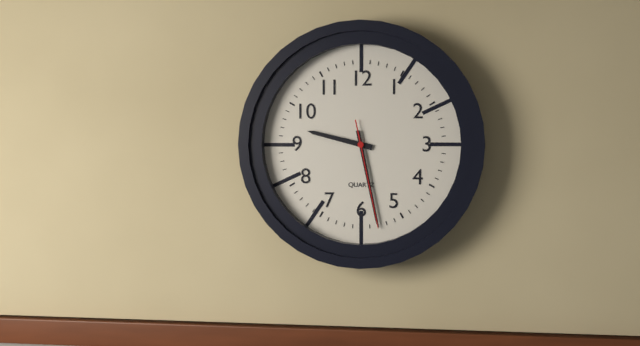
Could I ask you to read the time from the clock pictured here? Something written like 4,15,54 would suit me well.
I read 9,28,28
